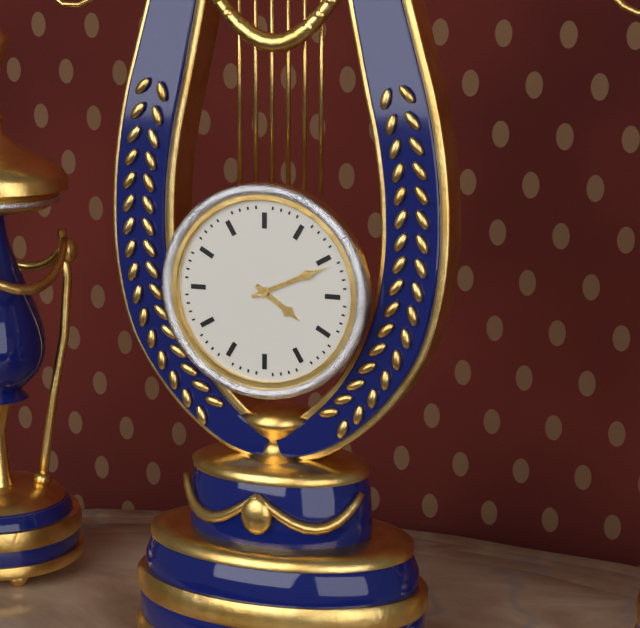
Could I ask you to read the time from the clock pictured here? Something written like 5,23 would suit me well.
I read 4,11
